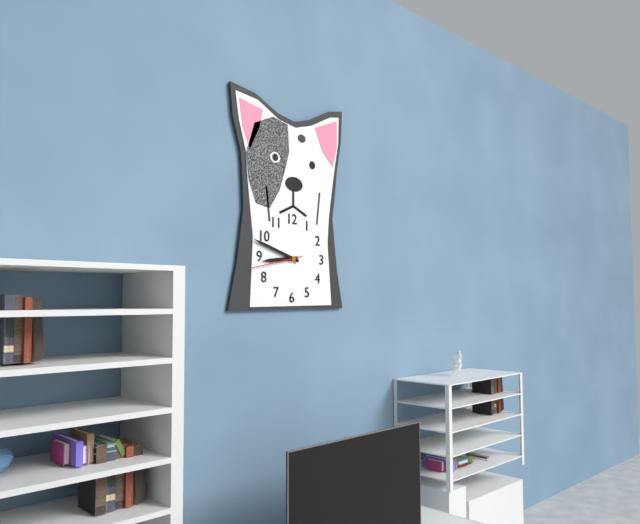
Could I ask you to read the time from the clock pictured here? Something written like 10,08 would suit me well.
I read 8,48
